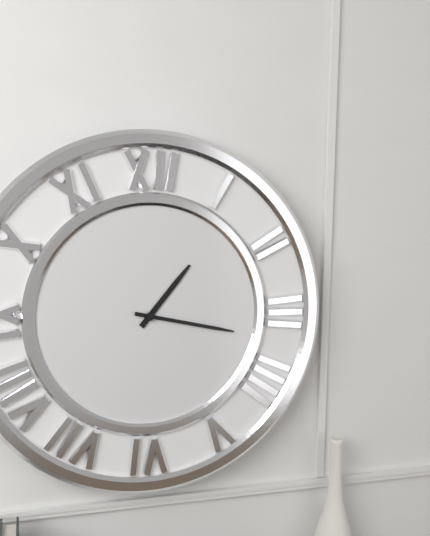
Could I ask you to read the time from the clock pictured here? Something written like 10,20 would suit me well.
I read 1,17
